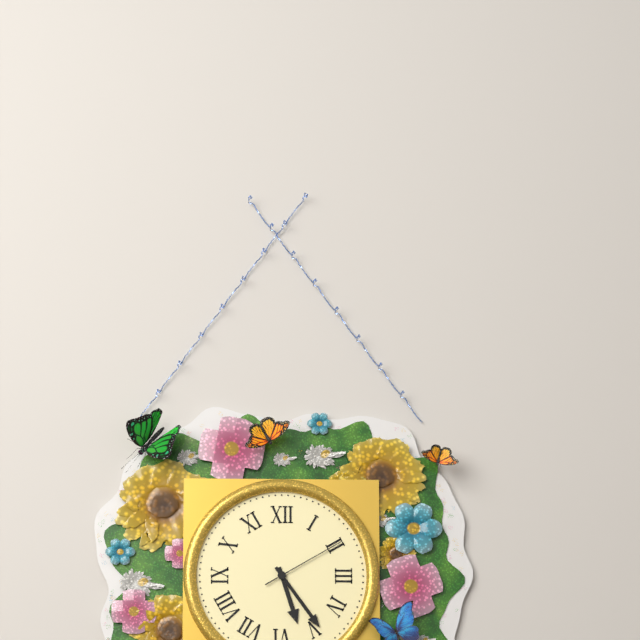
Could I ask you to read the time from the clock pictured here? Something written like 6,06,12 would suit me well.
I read 5,24,10
